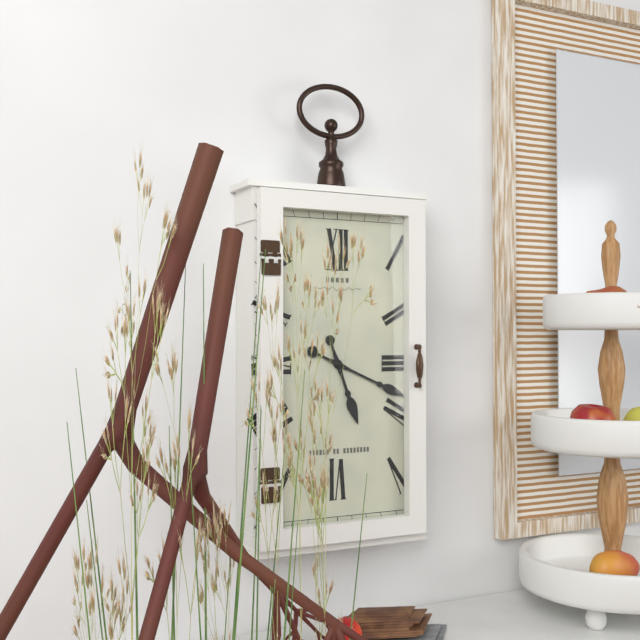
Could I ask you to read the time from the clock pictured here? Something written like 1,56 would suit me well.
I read 5,19
